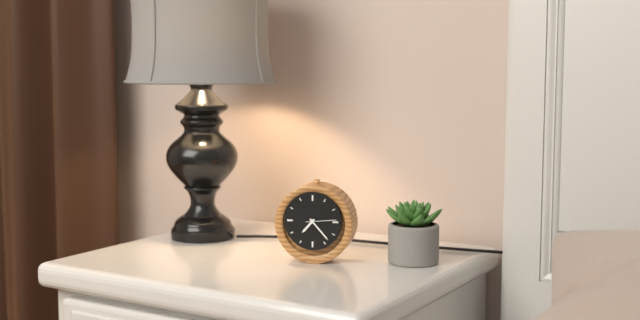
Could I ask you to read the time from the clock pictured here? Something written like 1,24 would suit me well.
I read 7,23
